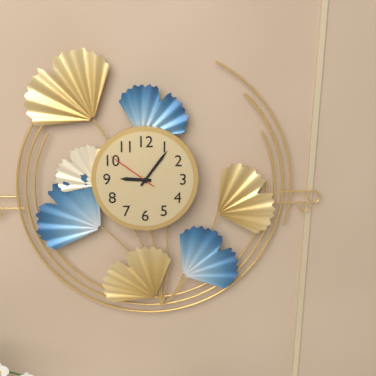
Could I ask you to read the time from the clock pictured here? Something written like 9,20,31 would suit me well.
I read 9,06,51
